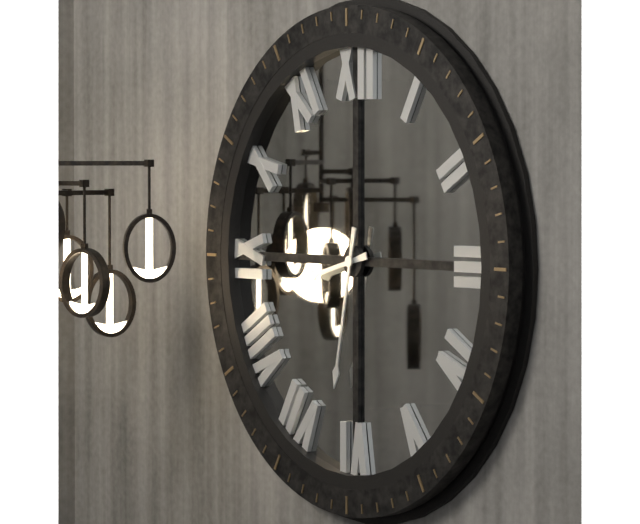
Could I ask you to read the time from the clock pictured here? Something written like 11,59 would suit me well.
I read 8,32
